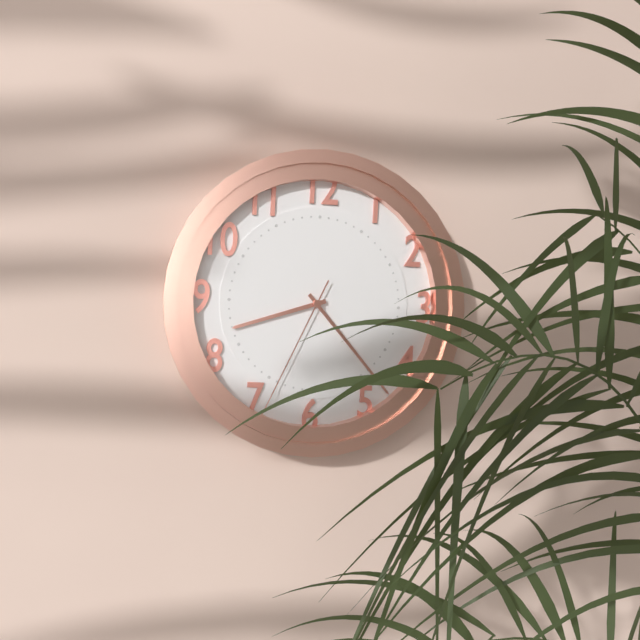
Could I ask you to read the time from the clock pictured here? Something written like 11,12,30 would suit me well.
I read 8,23,34
